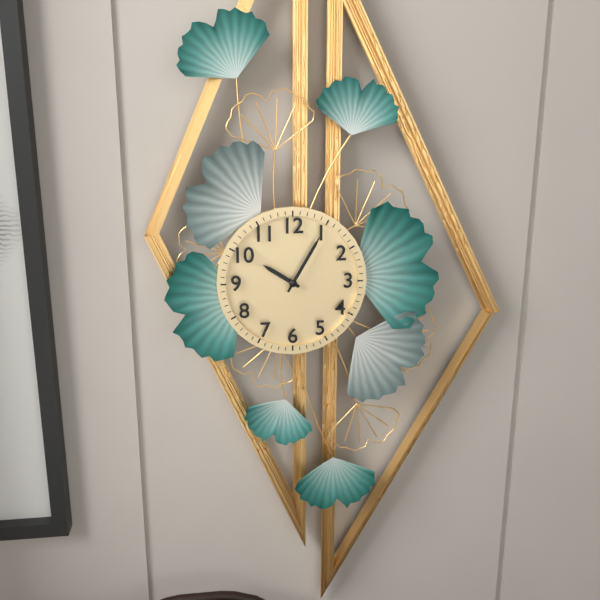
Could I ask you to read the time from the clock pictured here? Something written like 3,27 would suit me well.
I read 10,05
